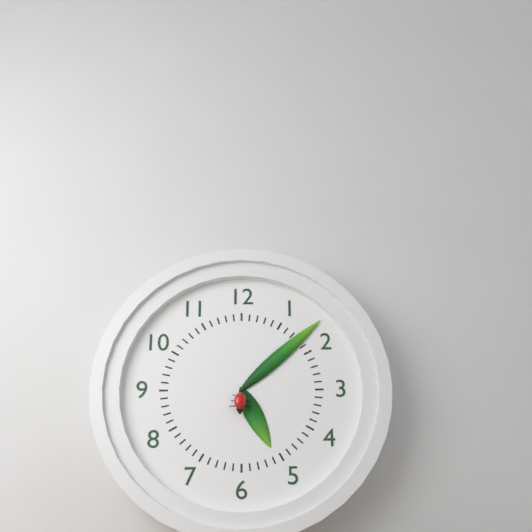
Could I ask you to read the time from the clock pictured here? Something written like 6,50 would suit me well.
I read 5,08
